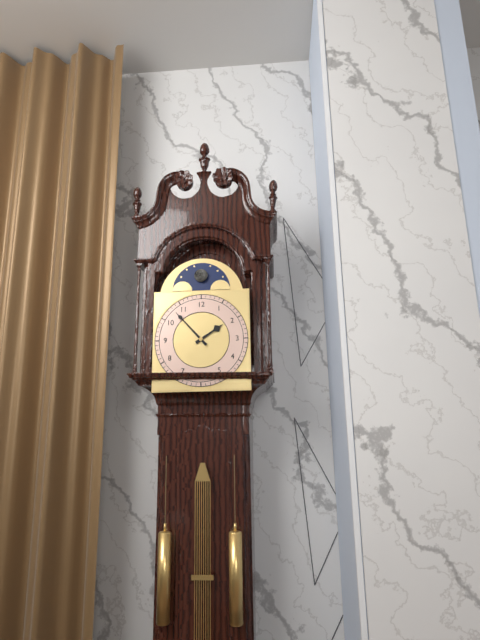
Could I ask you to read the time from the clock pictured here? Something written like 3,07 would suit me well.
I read 1,53
